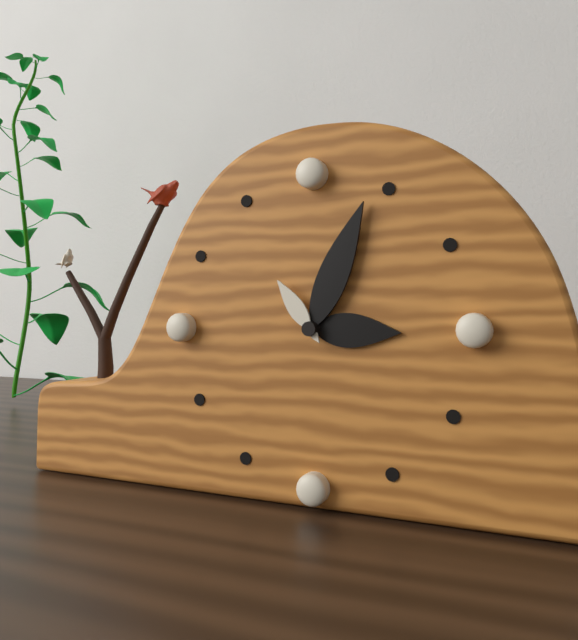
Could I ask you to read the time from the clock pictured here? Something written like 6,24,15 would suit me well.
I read 3,04,54
